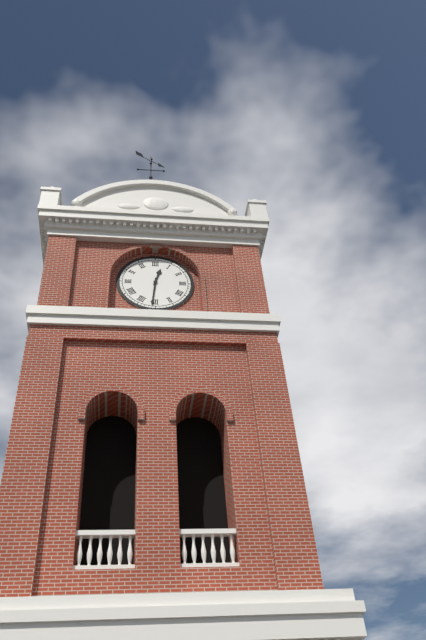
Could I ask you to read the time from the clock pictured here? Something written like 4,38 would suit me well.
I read 12,31
